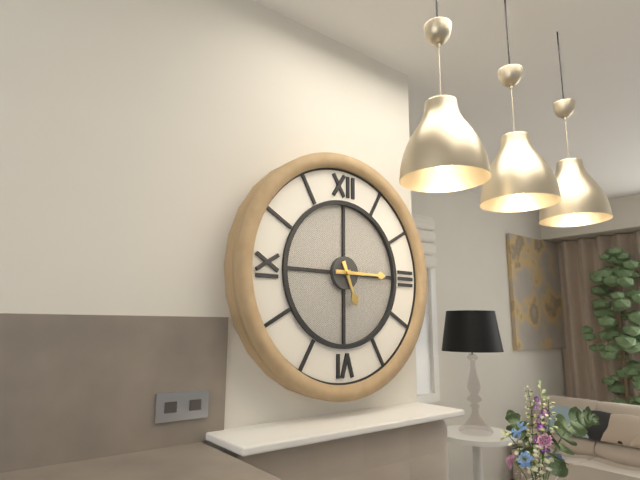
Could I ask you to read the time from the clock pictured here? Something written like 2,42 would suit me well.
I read 5,15
